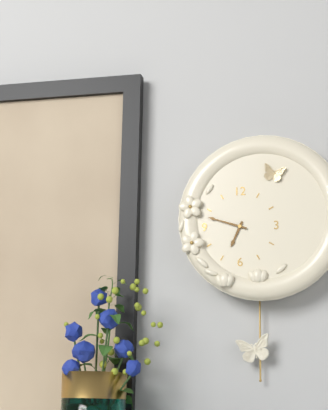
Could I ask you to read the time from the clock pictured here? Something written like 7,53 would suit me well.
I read 6,48
